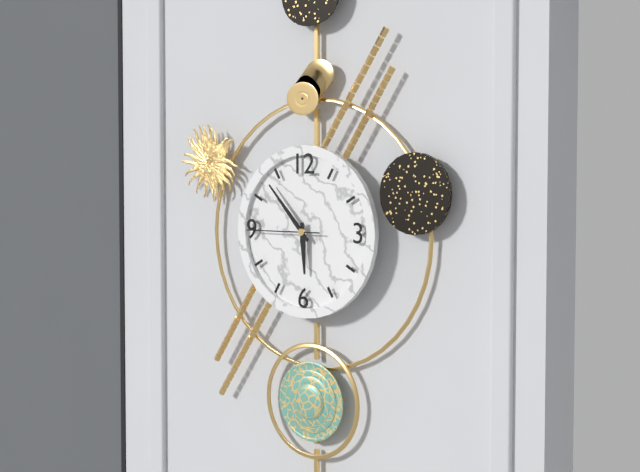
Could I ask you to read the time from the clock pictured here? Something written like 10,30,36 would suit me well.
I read 5,53,45
